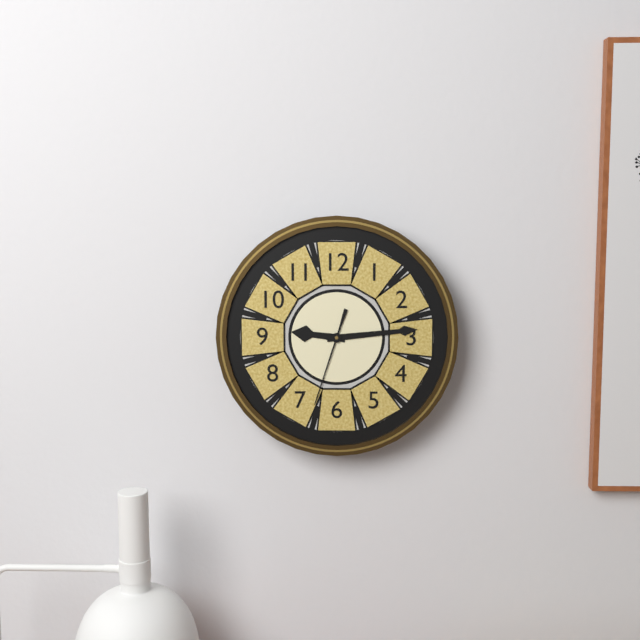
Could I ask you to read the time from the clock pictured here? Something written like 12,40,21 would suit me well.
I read 9,14,33
